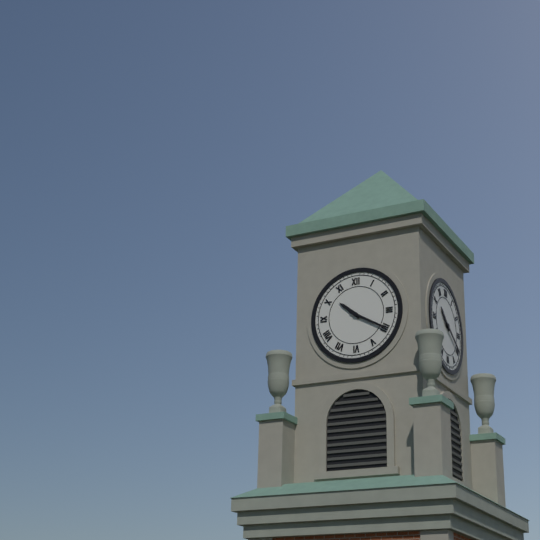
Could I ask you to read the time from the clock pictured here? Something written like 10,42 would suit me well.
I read 10,20
